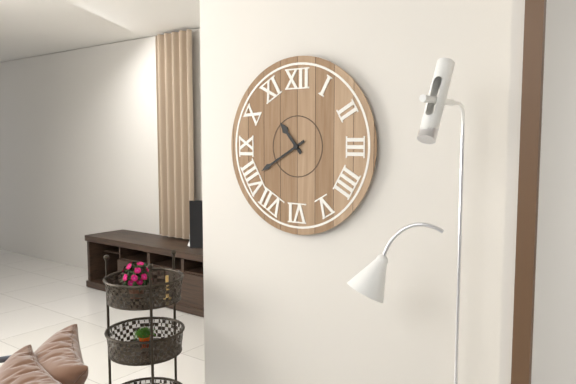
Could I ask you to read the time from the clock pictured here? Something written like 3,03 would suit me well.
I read 10,40
